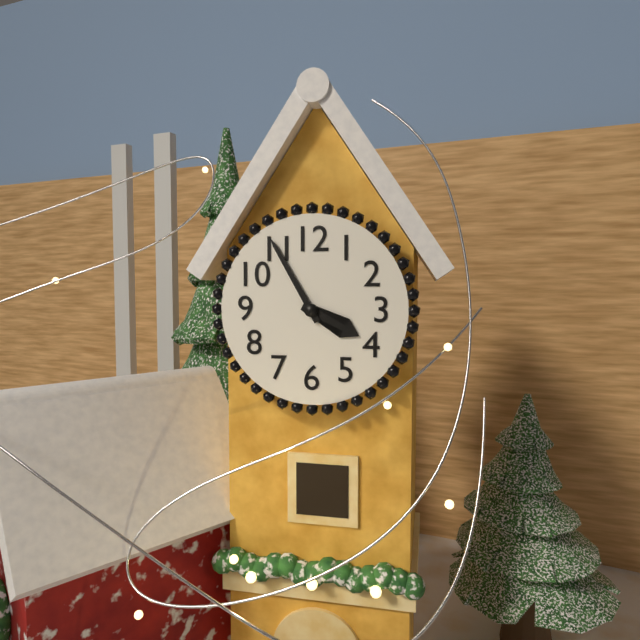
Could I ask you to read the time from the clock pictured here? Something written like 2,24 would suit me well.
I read 3,55
